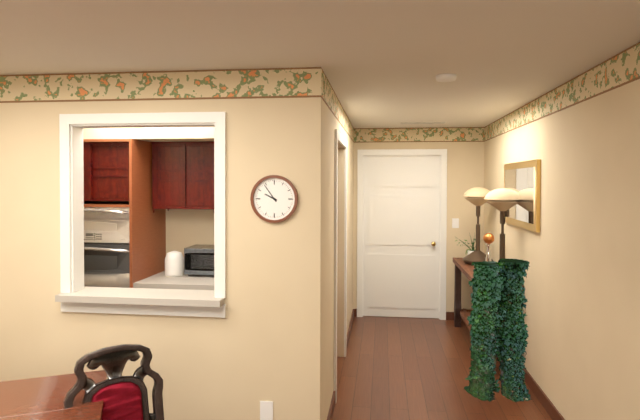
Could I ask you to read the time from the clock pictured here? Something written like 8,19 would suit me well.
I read 9,54
